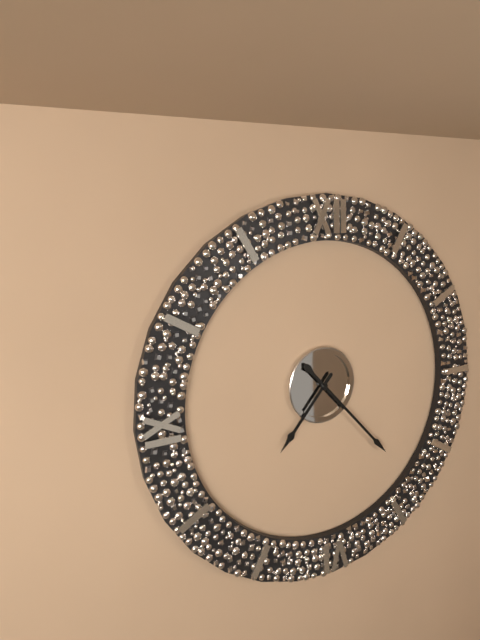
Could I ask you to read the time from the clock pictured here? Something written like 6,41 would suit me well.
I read 7,23
